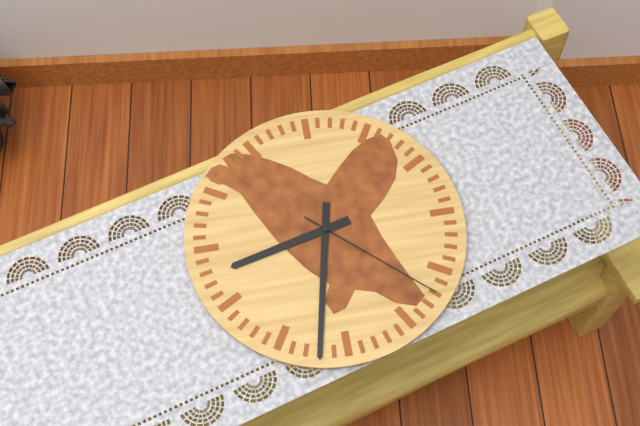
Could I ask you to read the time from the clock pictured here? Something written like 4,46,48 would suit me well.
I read 8,32,22
